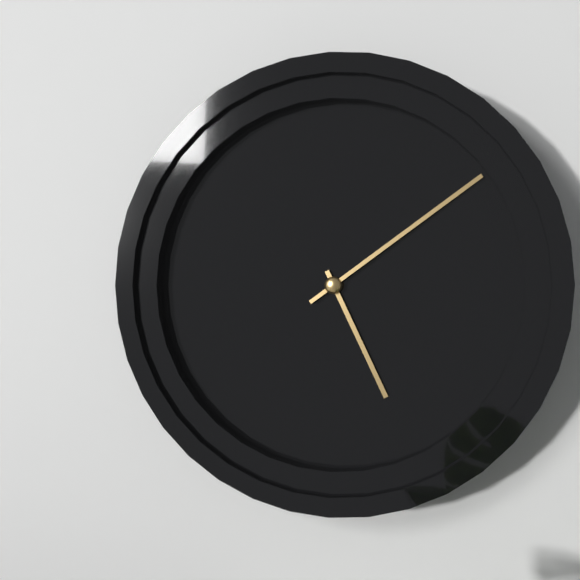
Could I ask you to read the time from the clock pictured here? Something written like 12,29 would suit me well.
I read 5,09
